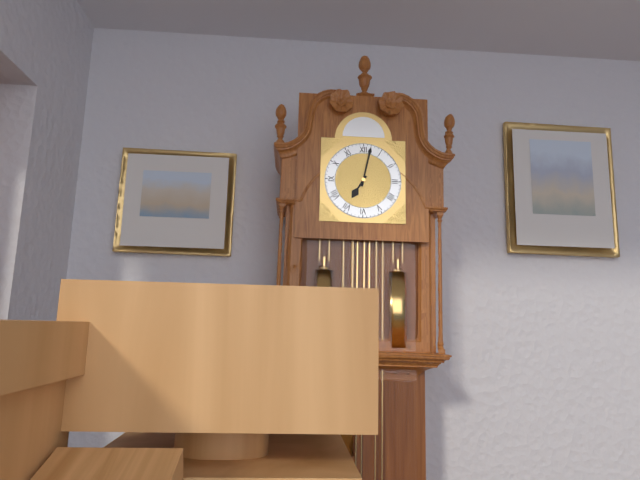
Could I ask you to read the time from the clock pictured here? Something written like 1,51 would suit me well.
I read 7,02
